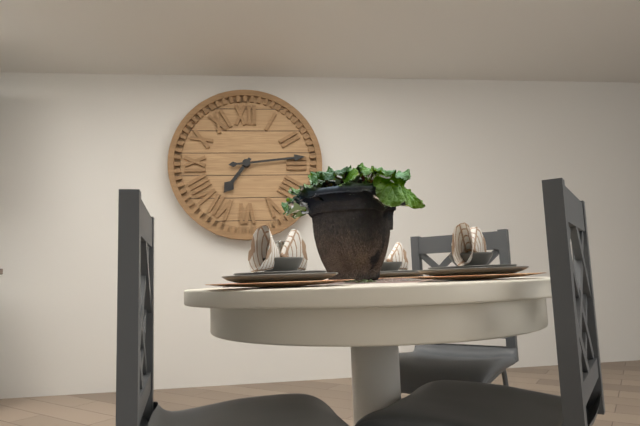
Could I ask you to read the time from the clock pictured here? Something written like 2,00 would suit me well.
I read 7,14
